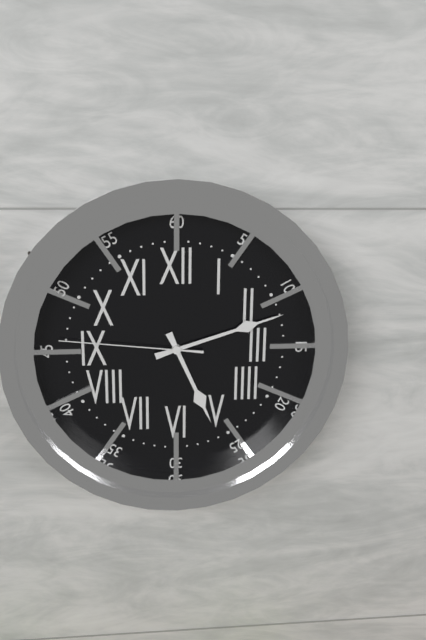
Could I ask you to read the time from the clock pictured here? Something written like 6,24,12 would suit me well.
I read 5,12,46
